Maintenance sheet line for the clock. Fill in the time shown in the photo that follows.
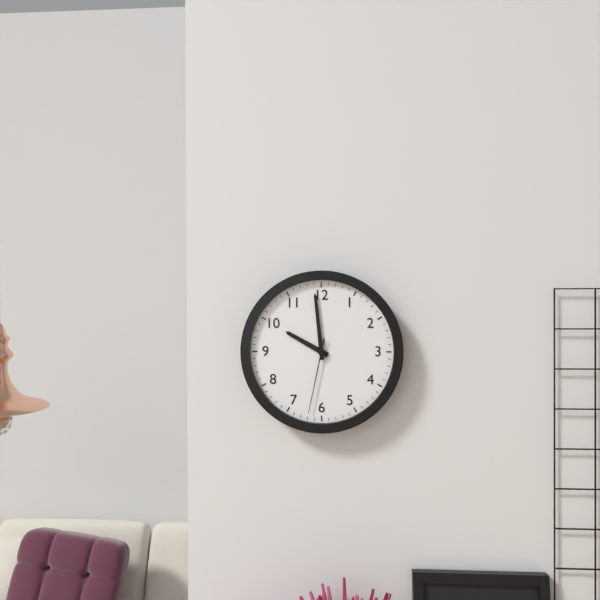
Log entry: 9:59:32
